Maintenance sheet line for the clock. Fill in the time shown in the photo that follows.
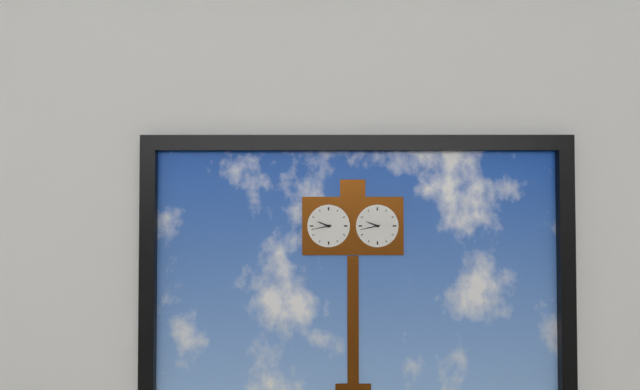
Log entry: 9:43
